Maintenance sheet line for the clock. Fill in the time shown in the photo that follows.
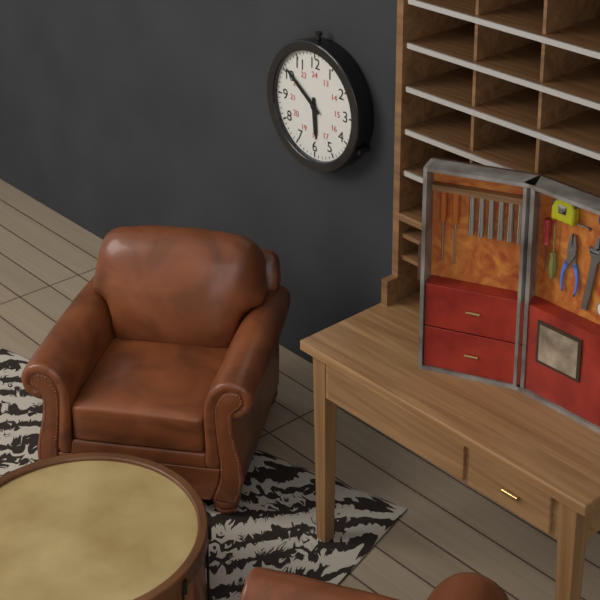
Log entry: 5:51
